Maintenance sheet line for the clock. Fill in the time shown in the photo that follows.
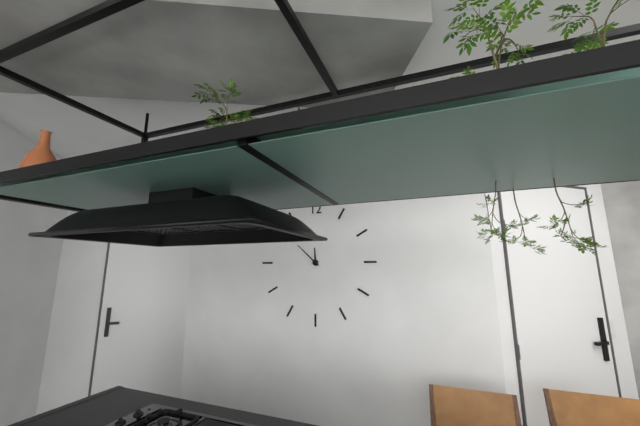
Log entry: 11:52
